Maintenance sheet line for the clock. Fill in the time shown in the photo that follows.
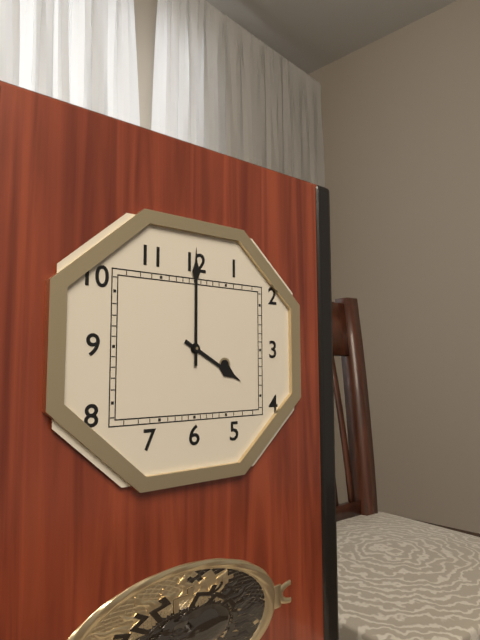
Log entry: 4:00
